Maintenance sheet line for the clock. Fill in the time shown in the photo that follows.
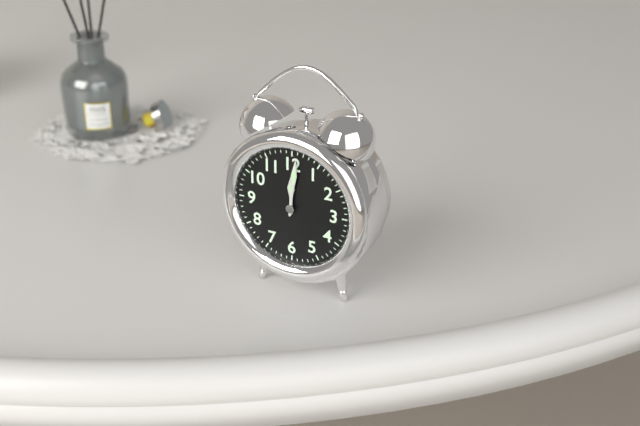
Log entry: 12:01
